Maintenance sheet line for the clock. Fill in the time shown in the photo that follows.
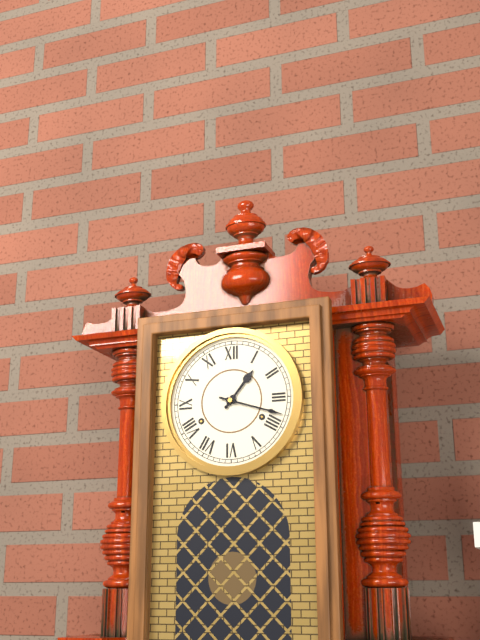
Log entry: 1:18
